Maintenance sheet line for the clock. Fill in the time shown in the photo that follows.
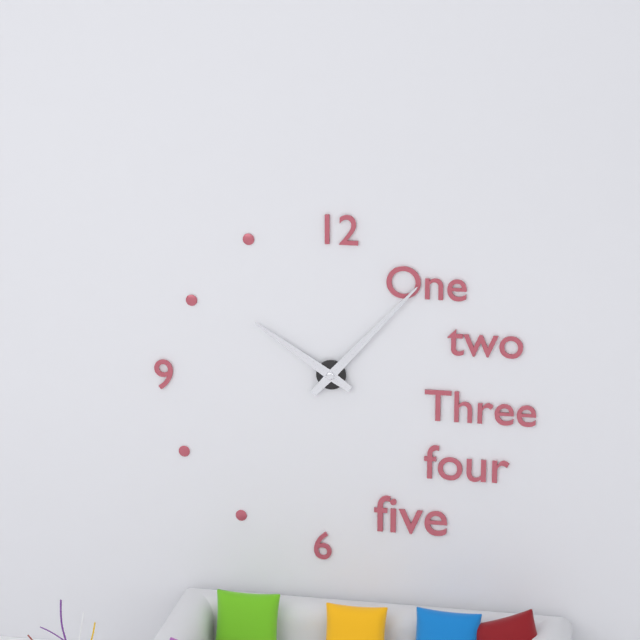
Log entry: 10:07
